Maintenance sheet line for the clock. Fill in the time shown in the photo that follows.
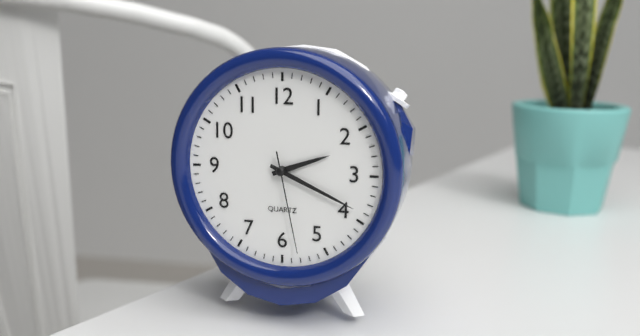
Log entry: 2:19:28
